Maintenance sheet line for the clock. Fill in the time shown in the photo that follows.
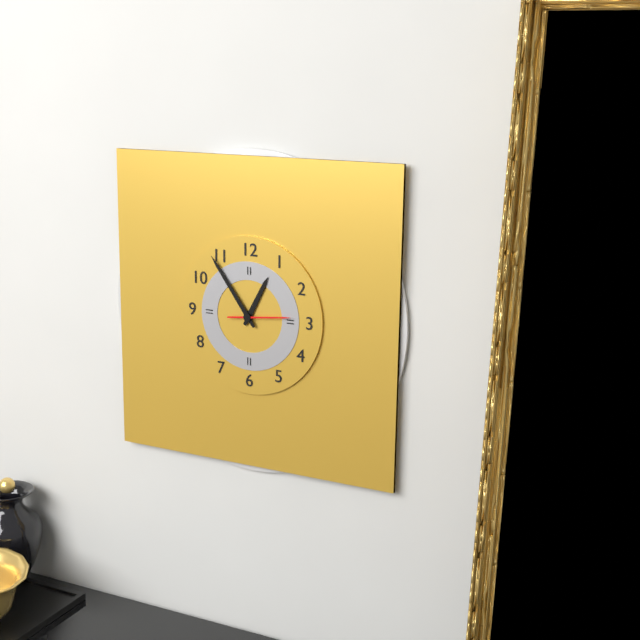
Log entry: 12:54:14
